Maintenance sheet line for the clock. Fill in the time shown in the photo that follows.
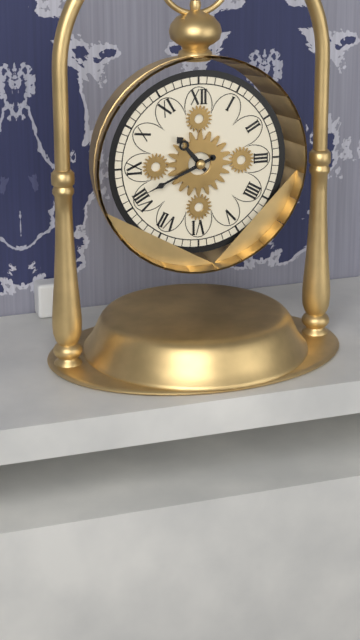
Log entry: 10:41
